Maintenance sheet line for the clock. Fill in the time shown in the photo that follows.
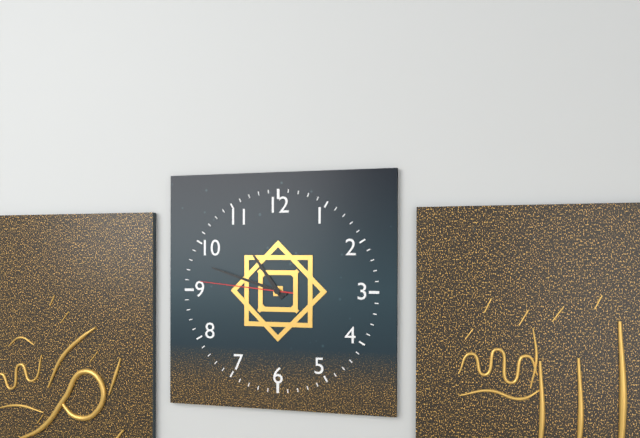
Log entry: 10:48:46
